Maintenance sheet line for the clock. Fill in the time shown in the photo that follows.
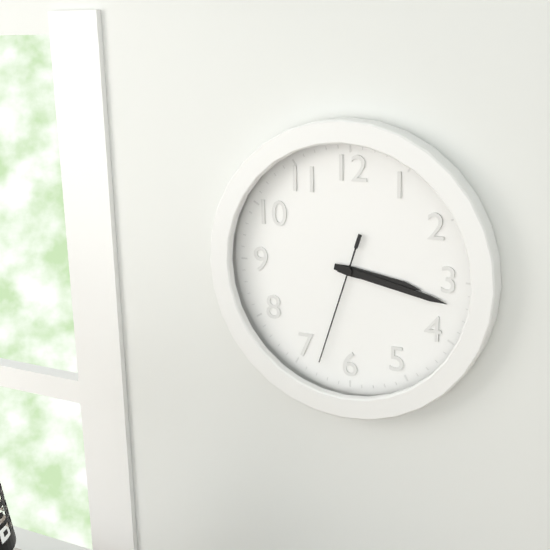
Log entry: 3:17:33
